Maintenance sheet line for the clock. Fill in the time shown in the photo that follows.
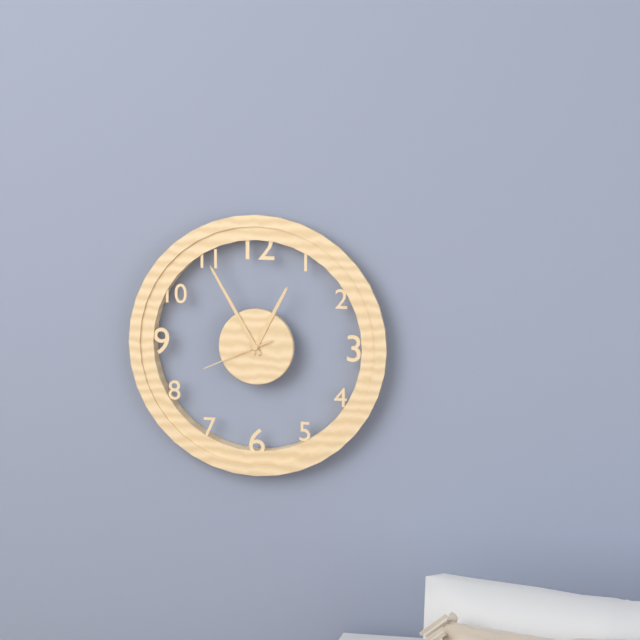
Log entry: 12:55:41
